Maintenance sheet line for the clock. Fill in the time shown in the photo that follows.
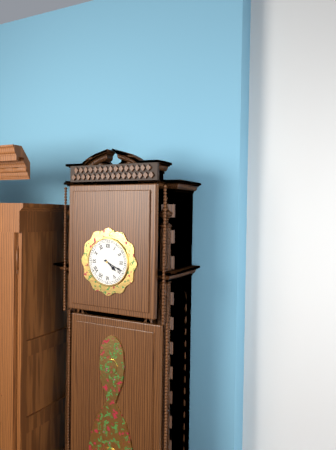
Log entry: 4:19
